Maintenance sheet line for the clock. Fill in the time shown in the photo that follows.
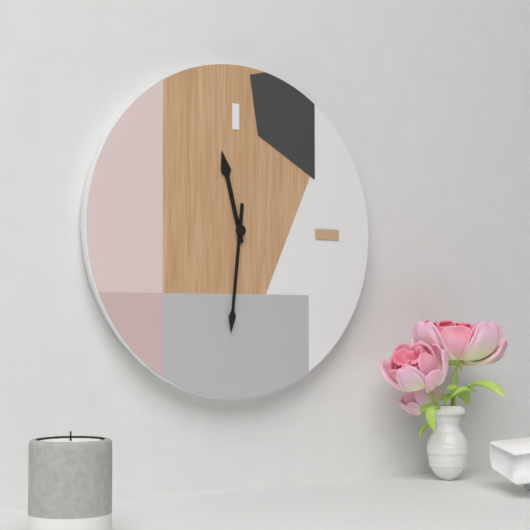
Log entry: 11:31
